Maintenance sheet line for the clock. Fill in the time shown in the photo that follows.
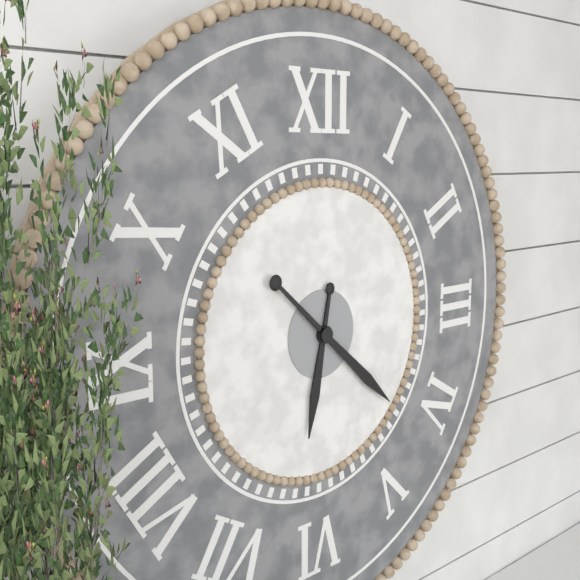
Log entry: 6:22
